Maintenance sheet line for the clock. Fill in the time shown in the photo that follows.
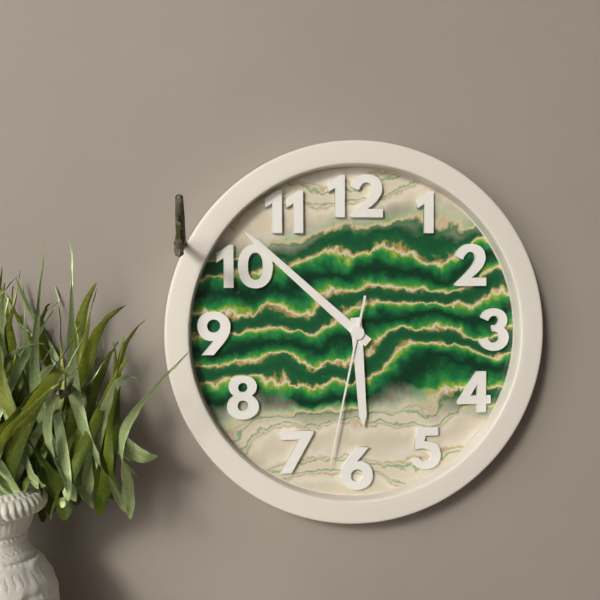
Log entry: 5:52:32
